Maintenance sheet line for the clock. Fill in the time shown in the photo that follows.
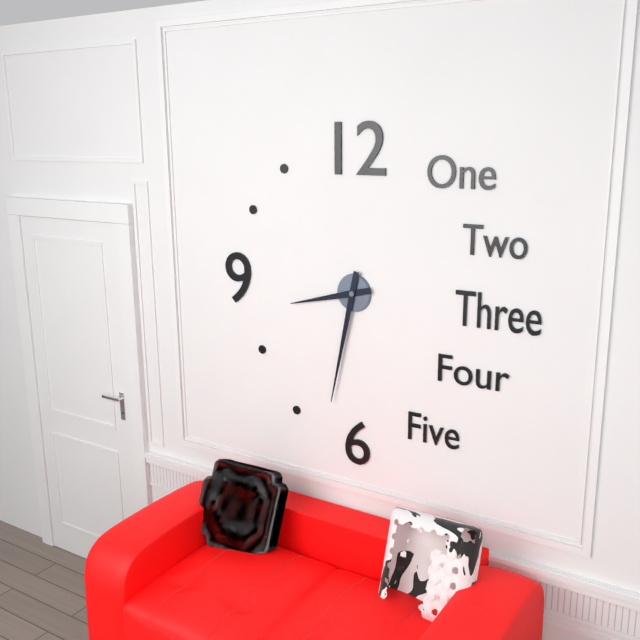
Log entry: 8:32
